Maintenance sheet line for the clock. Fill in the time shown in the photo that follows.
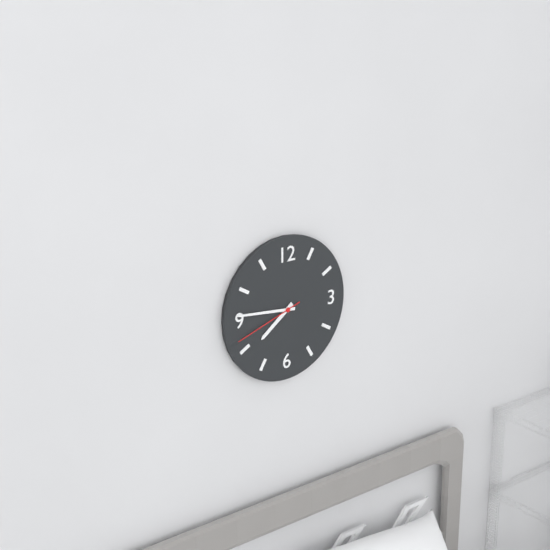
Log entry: 7:46:42
